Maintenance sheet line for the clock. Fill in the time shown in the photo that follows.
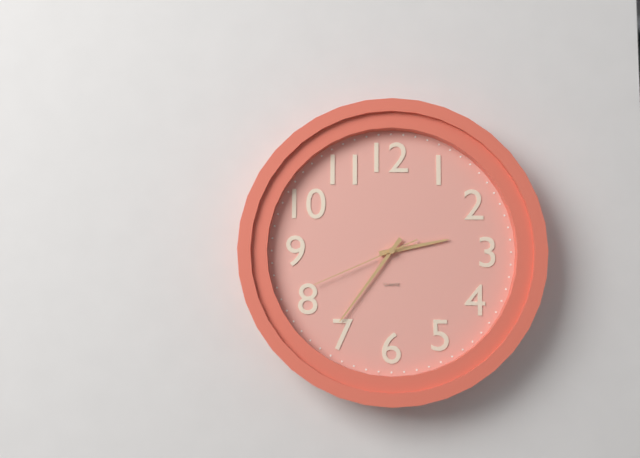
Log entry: 2:36:41
